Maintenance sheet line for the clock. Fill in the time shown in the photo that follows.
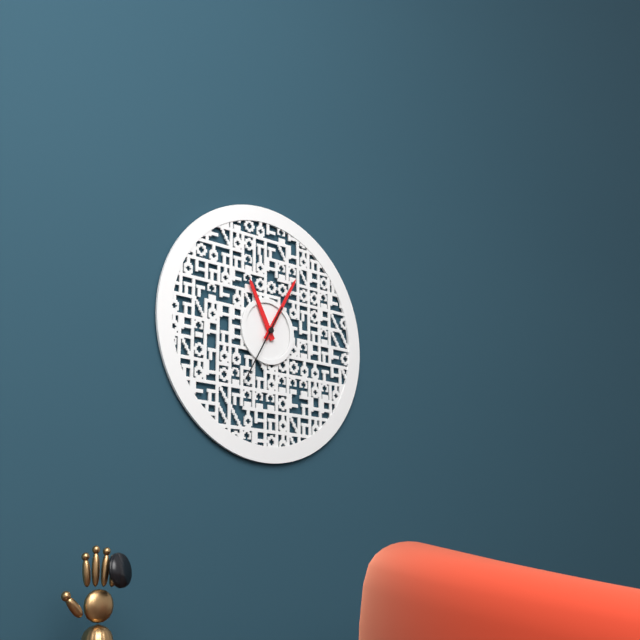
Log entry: 11:05:35
